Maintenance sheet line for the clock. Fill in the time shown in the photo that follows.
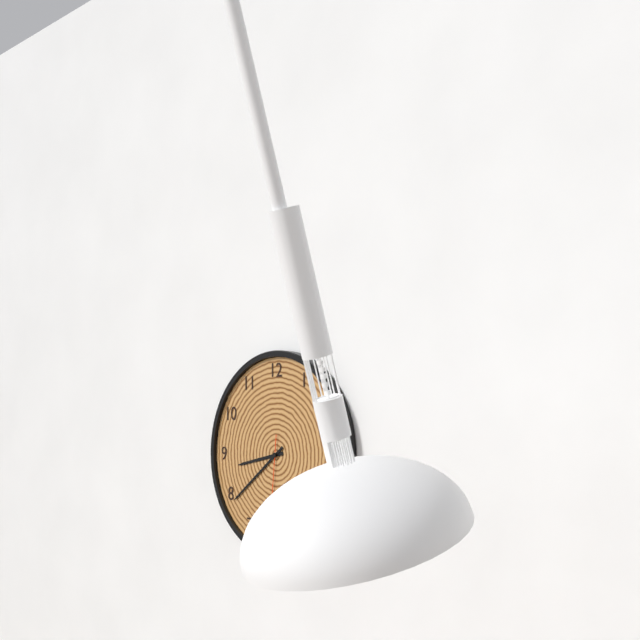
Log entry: 8:39
